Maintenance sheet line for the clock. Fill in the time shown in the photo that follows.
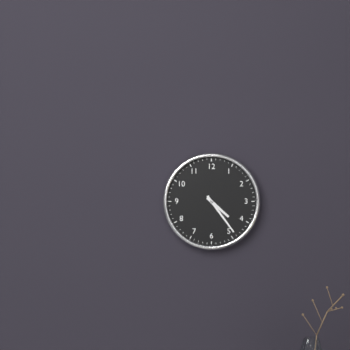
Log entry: 4:24
